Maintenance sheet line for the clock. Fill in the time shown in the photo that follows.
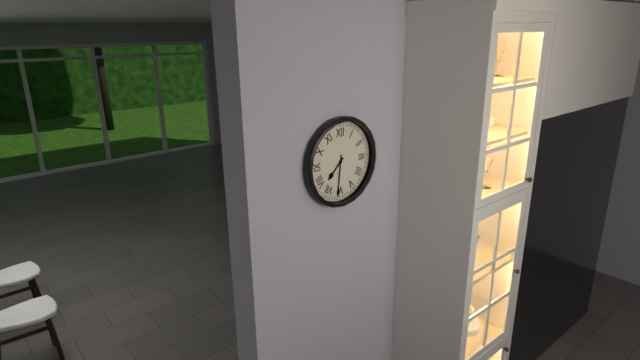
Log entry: 7:31
